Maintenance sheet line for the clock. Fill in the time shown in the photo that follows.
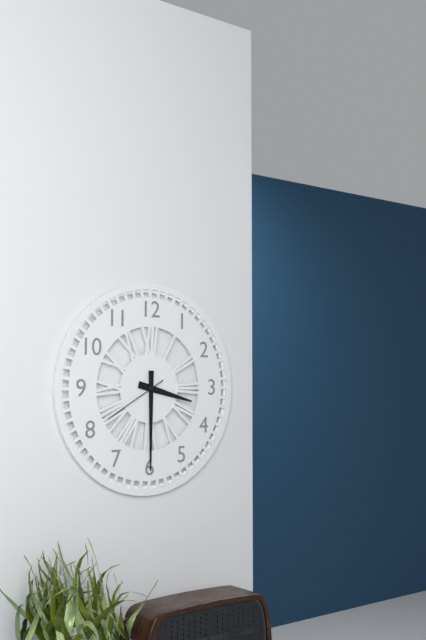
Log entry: 3:30:40
